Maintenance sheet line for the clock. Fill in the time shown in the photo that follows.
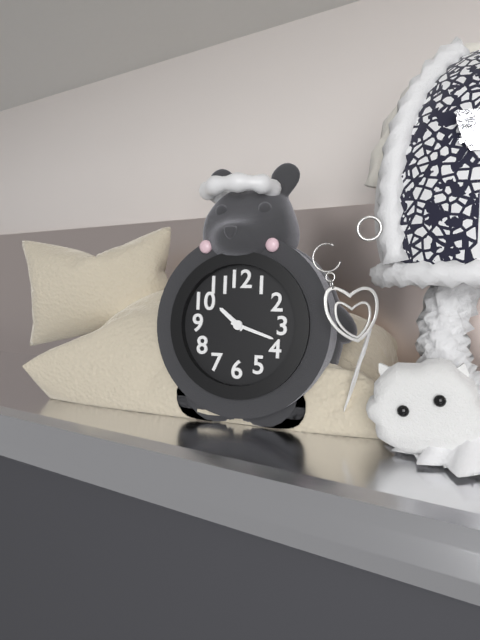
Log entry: 10:18
